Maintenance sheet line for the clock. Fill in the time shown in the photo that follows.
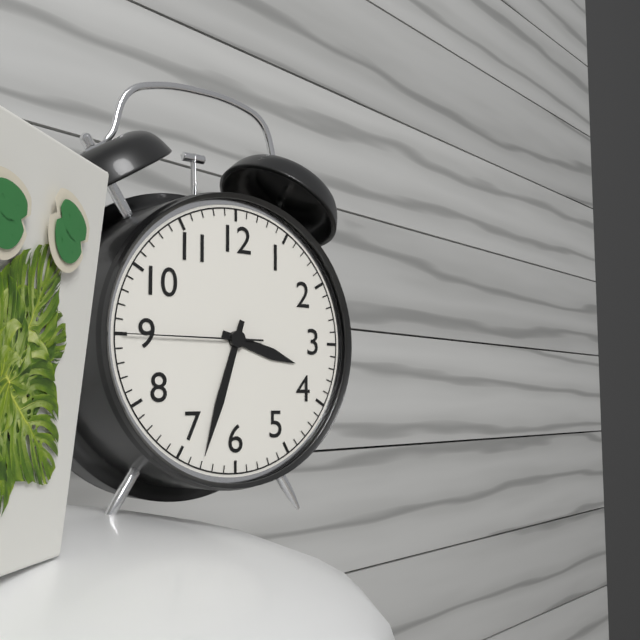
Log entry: 3:33:45
